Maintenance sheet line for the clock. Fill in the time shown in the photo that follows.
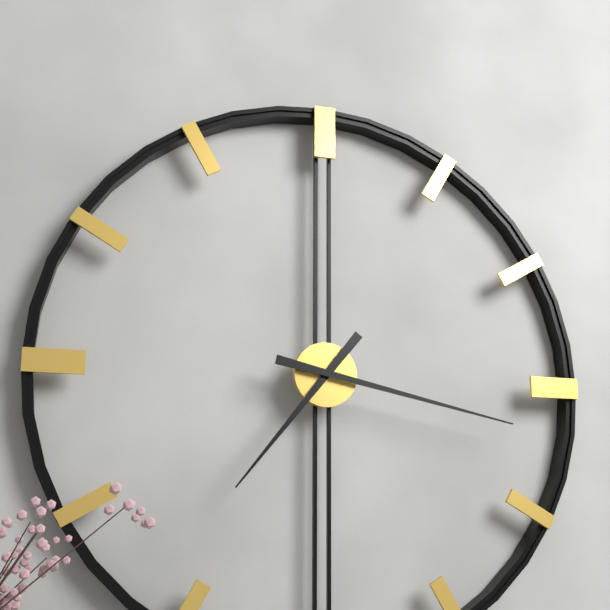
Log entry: 7:17
